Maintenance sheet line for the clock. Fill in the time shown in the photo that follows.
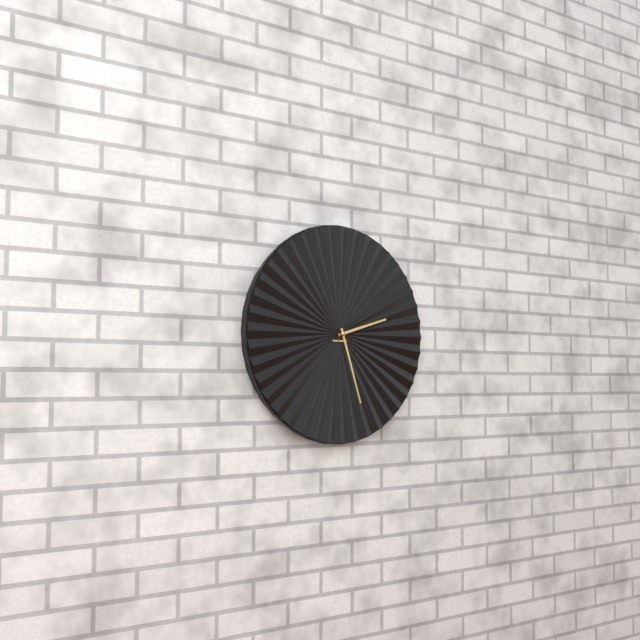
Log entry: 2:27
